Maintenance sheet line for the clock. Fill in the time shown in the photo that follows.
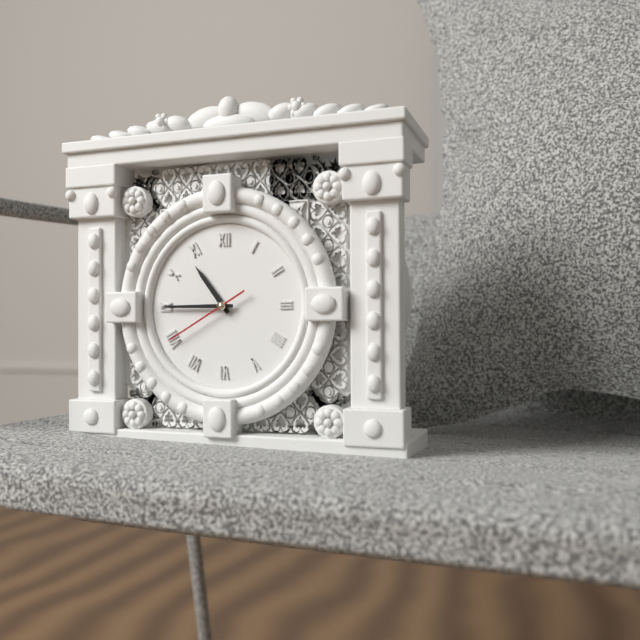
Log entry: 10:45:40
